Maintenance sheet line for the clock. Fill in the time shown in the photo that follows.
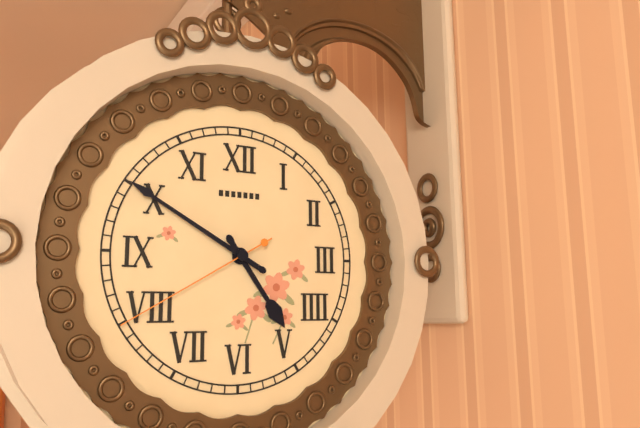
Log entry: 4:50:40
